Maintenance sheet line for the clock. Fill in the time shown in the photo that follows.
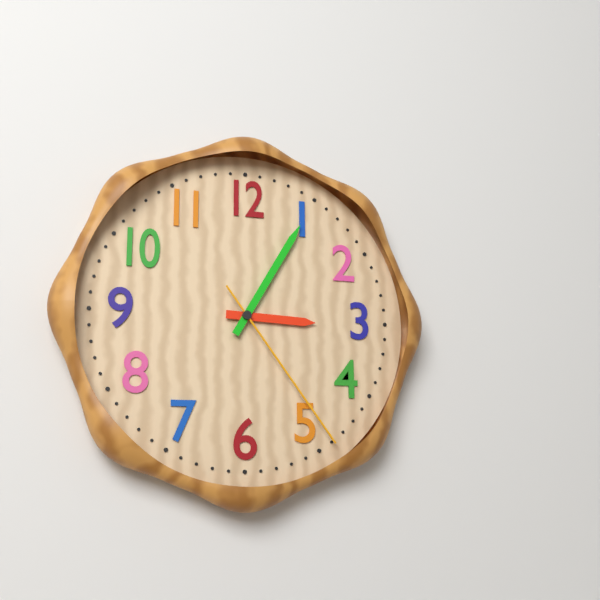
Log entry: 3:05:24
